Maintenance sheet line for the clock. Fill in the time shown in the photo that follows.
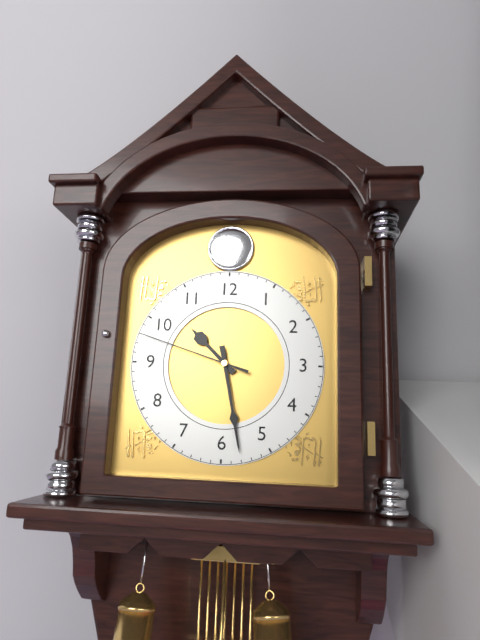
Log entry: 10:28:48
